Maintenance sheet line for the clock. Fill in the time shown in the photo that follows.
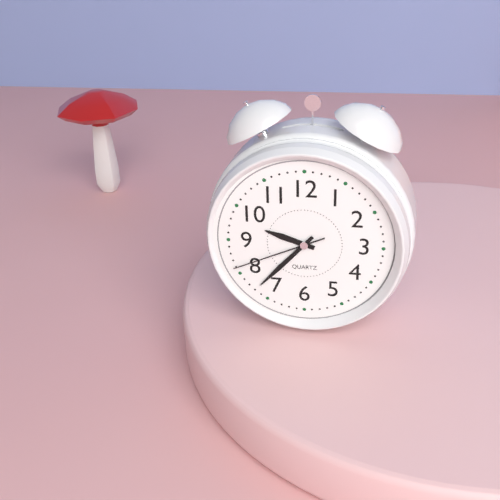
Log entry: 9:37:41
